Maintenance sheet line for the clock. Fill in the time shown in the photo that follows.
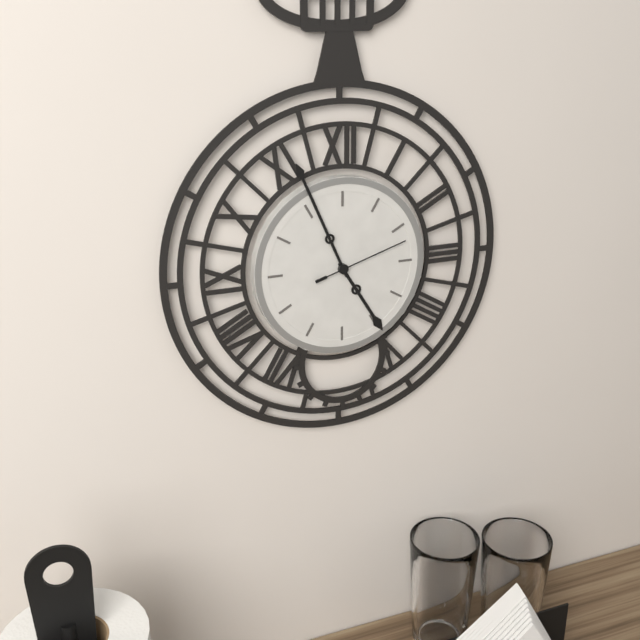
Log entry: 4:56:12
